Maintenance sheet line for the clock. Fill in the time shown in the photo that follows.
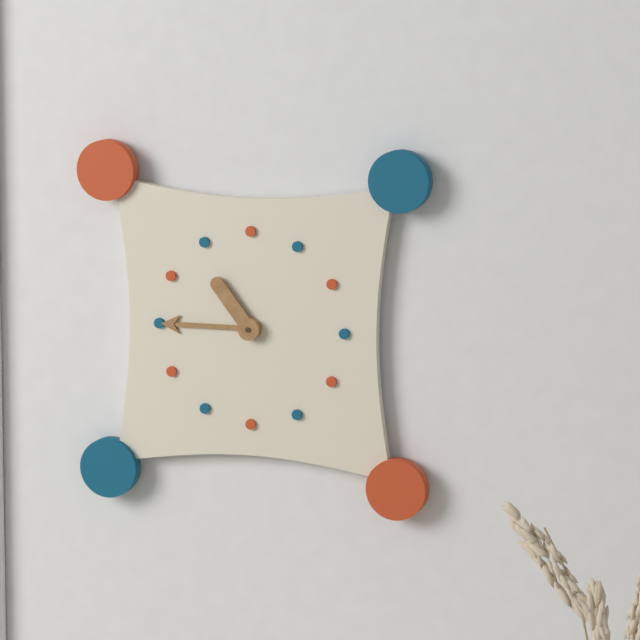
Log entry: 10:45
